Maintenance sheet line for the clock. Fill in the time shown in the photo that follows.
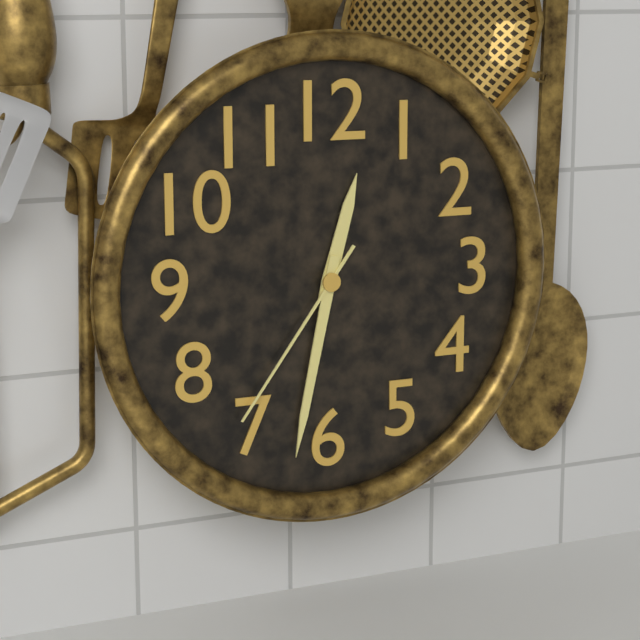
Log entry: 12:32:36
